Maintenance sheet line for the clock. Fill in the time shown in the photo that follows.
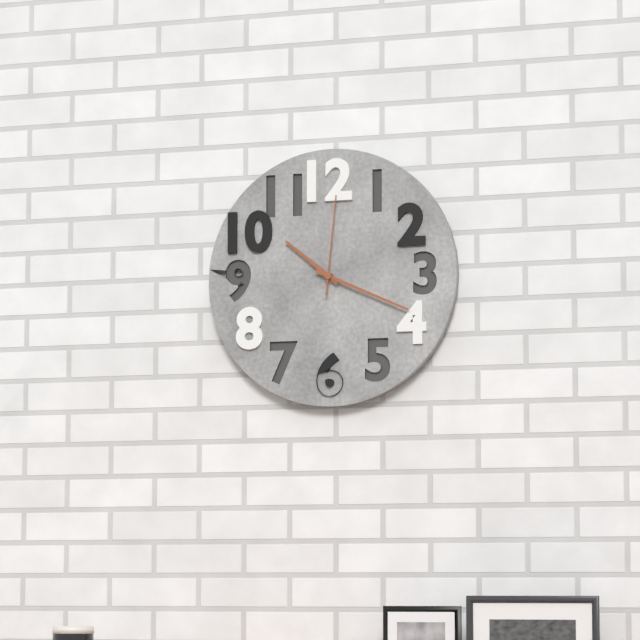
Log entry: 10:19:01
